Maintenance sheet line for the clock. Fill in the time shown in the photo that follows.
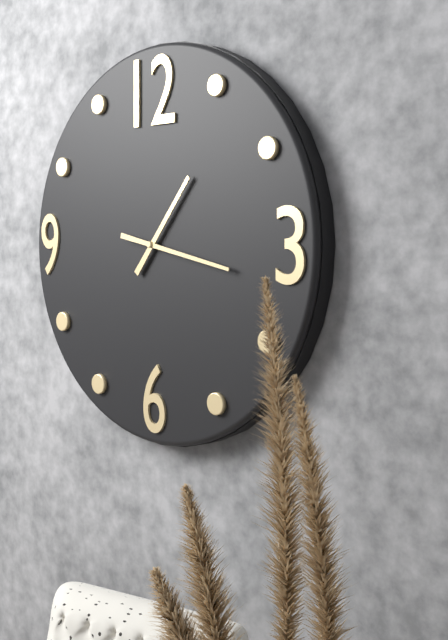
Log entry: 1:17
